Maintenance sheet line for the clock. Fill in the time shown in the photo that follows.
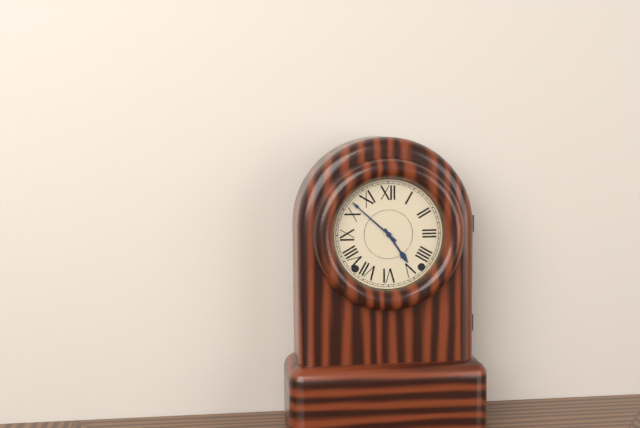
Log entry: 4:52
